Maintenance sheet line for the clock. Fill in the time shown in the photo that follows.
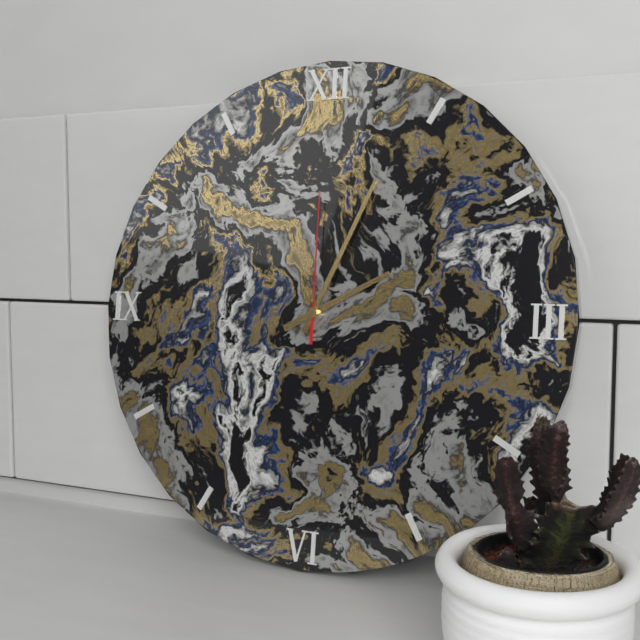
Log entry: 2:04:00
